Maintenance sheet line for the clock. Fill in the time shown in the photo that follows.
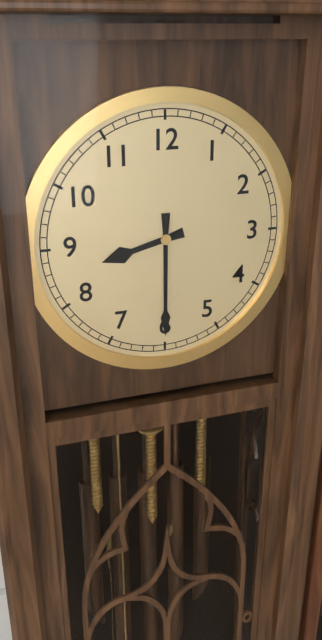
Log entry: 8:30
